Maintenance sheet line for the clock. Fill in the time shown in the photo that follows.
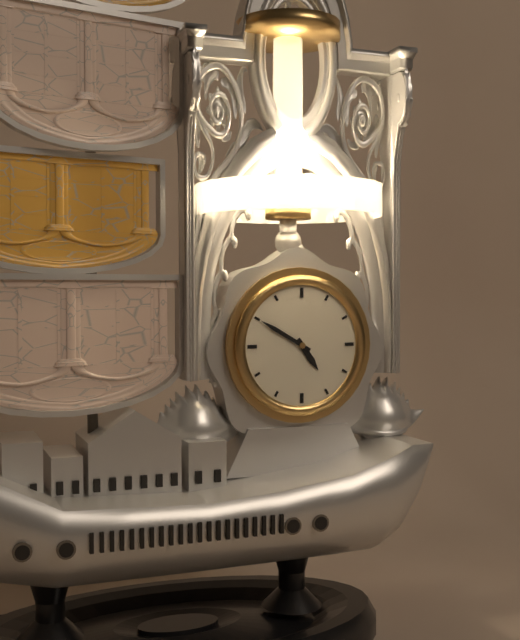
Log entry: 4:50
